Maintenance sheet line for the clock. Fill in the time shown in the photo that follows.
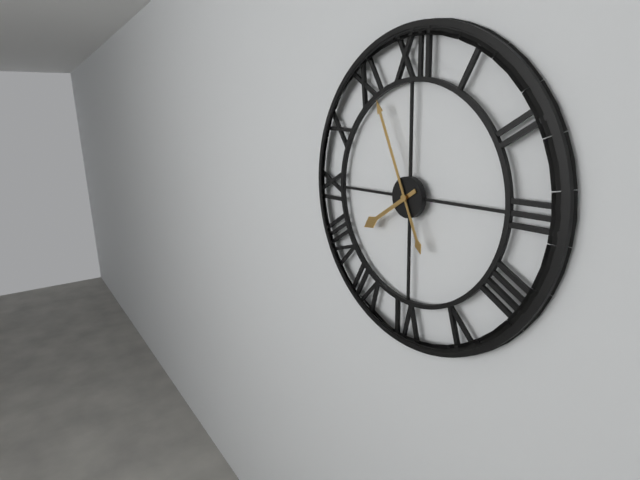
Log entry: 7:56
